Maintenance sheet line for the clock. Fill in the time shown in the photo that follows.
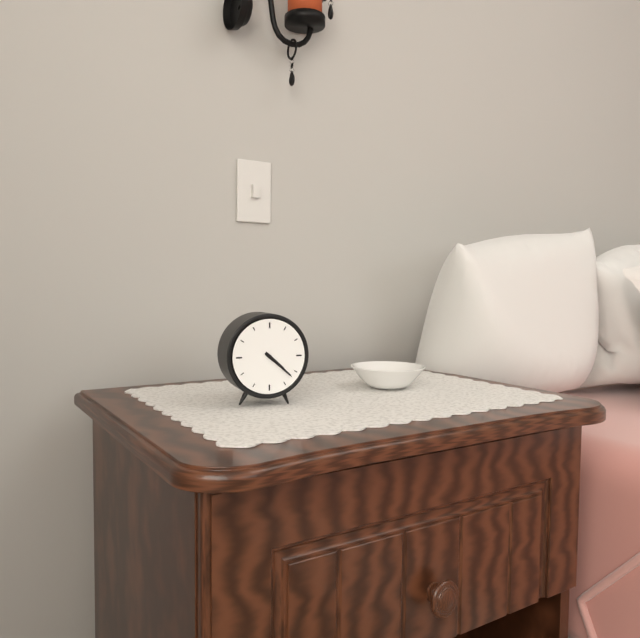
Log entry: 4:22
